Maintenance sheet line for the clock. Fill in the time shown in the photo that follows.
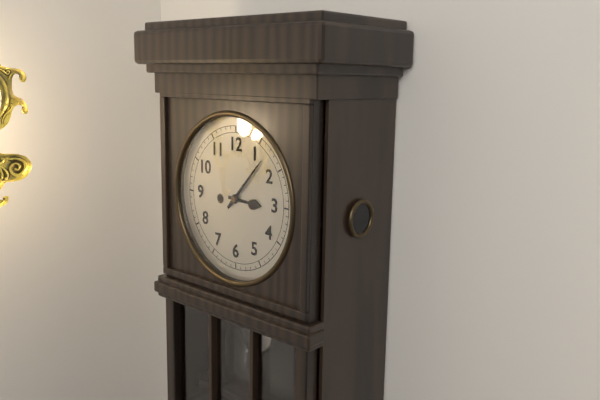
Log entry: 3:07
